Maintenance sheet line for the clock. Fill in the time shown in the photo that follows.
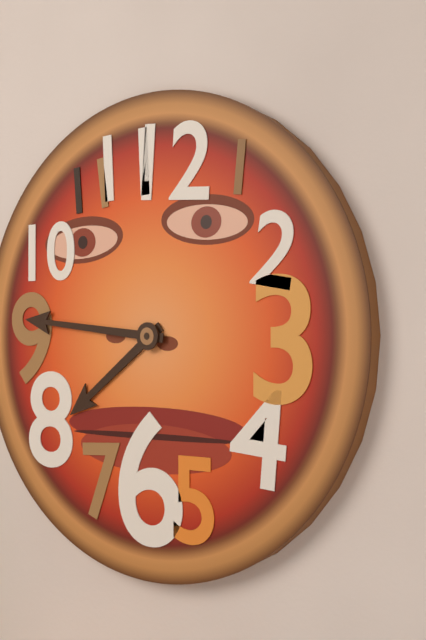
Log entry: 7:46
